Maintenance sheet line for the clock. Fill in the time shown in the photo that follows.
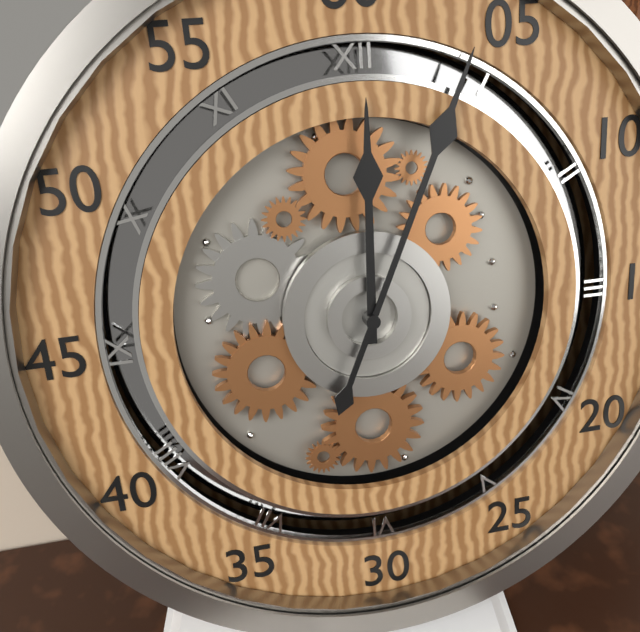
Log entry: 12:04
